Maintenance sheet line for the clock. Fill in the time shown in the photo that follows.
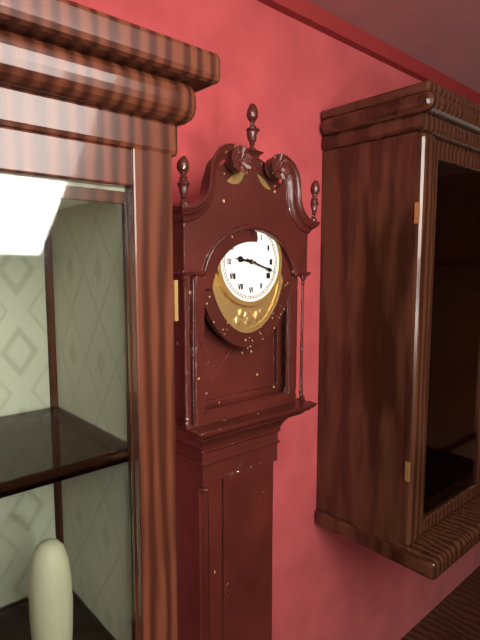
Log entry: 9:18
